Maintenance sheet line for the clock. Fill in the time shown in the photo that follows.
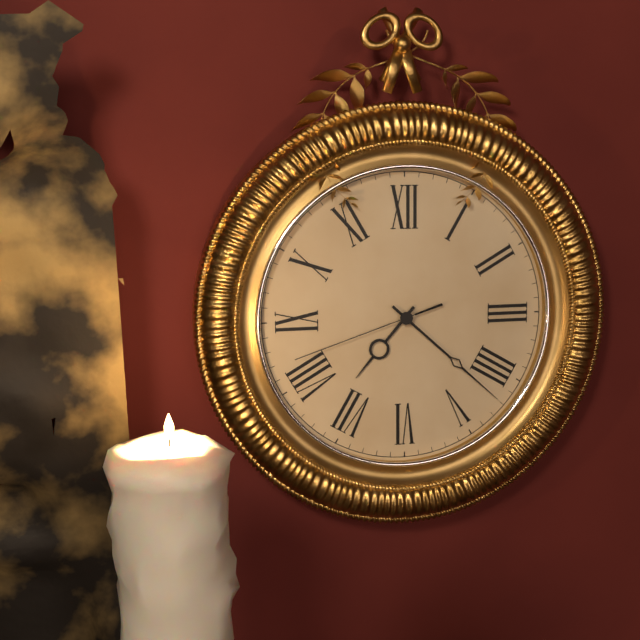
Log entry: 7:22:42
